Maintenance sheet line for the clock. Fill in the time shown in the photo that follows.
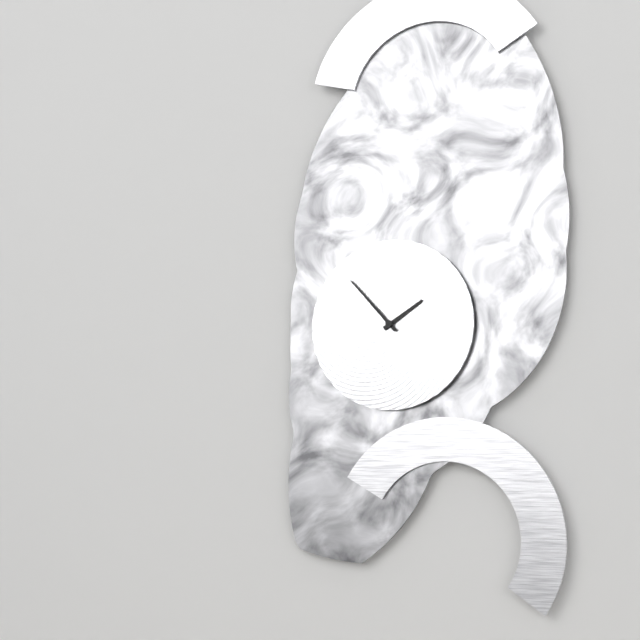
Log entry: 1:53
